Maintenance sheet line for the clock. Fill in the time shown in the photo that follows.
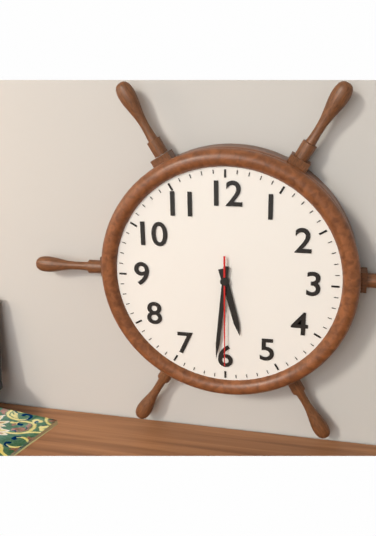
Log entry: 5:31:30
